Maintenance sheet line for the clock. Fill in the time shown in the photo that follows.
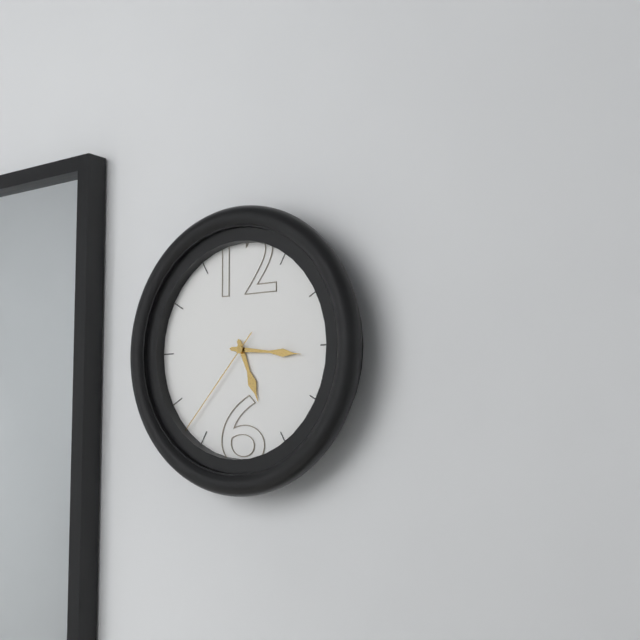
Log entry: 5:16:37
